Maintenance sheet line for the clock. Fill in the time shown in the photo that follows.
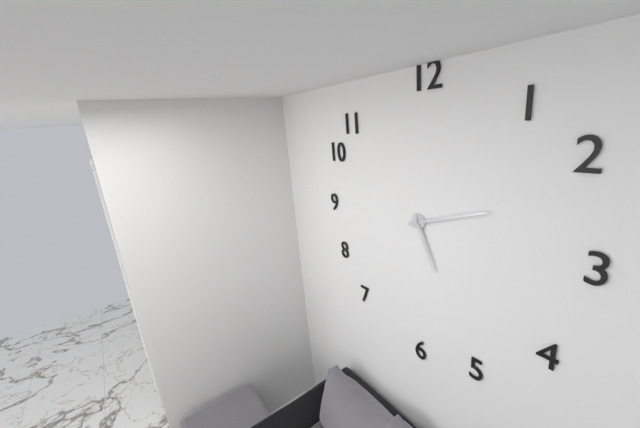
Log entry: 5:12
